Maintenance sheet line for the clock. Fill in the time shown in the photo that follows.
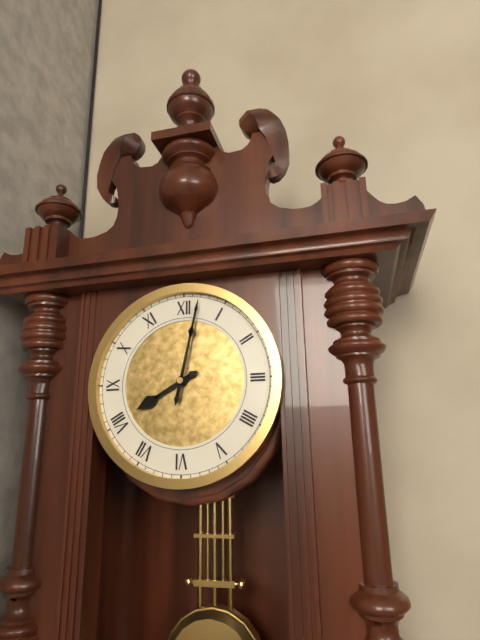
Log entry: 8:02
